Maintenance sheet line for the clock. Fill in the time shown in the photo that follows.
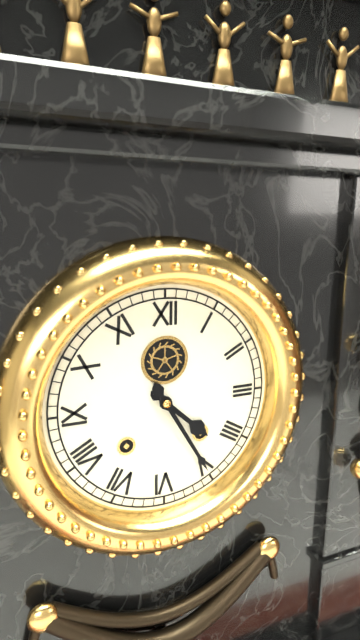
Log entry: 4:25
